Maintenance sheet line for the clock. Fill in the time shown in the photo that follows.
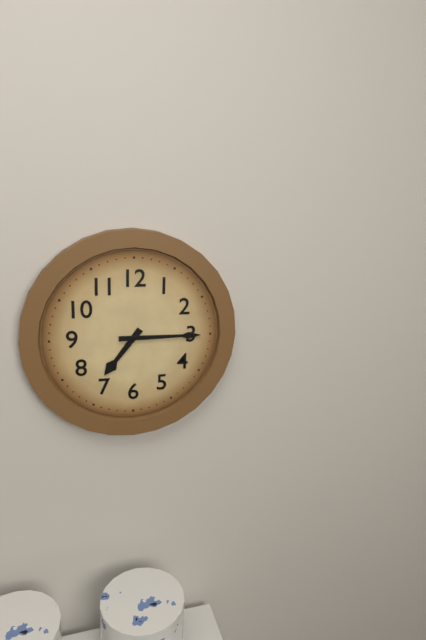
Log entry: 7:15
